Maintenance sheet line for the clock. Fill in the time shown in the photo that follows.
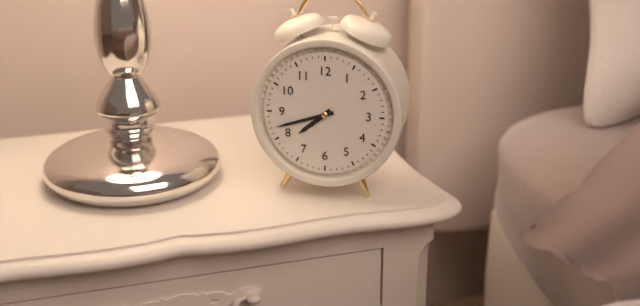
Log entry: 7:42
